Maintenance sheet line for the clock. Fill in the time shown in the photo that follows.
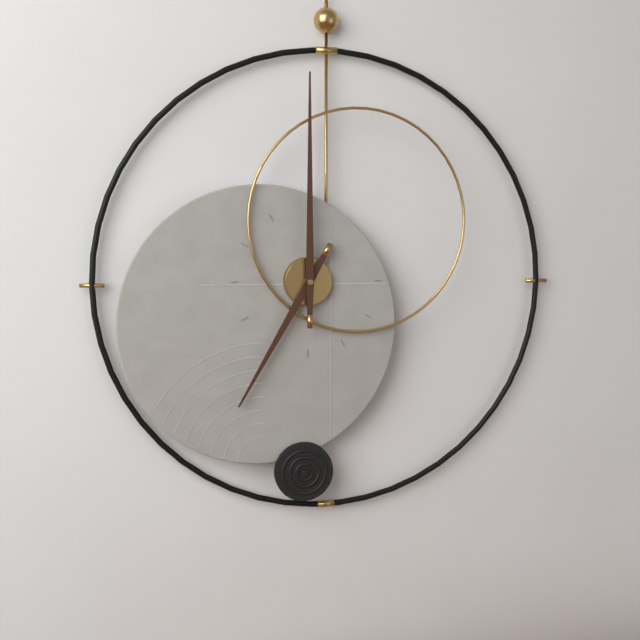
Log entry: 7:00
